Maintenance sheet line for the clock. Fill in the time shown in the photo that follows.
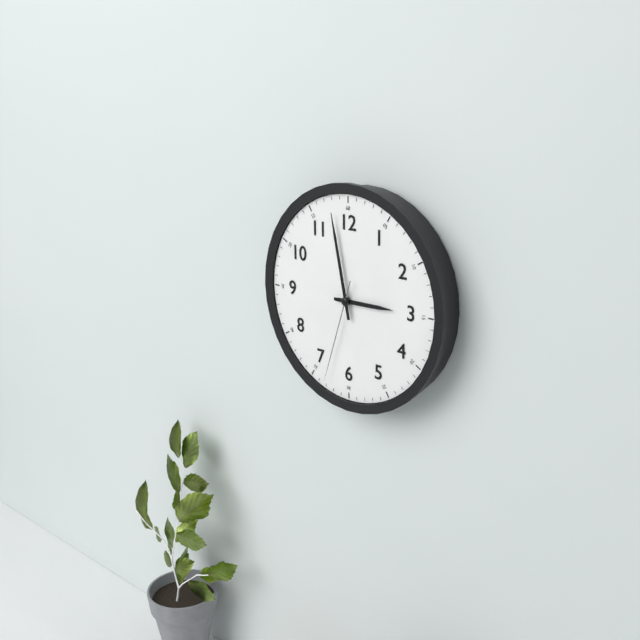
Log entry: 2:58:33
